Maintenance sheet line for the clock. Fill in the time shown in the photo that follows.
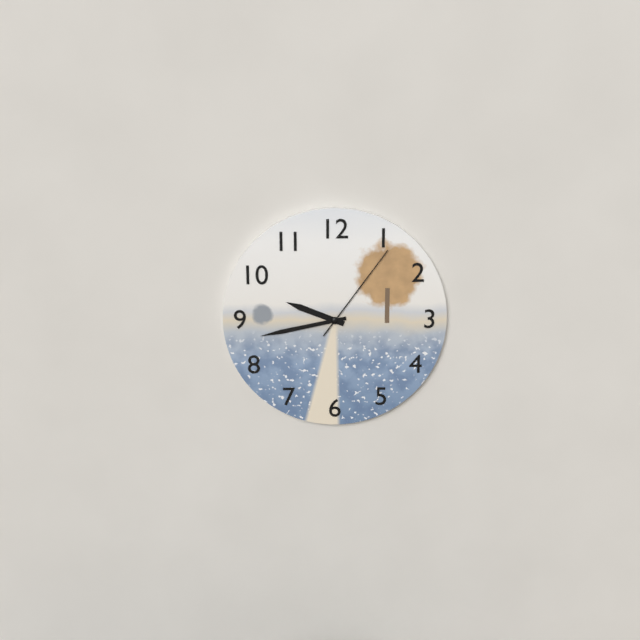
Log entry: 9:43:06
